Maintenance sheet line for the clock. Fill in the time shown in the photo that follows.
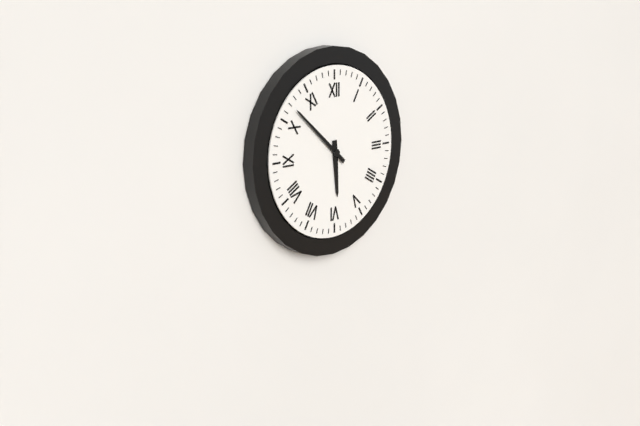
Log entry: 5:52
